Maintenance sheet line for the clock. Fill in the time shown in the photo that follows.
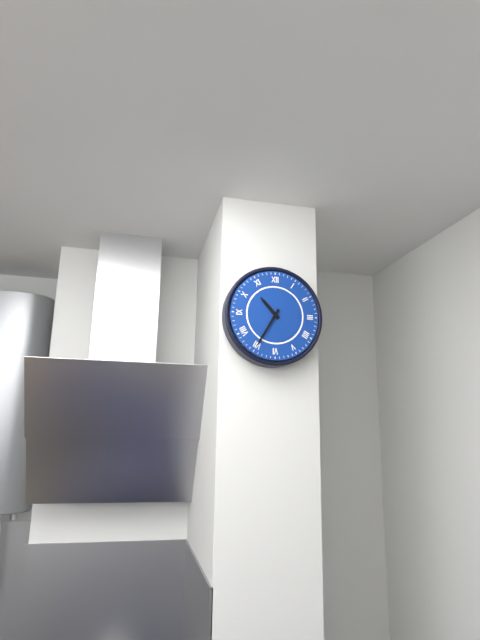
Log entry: 10:35
